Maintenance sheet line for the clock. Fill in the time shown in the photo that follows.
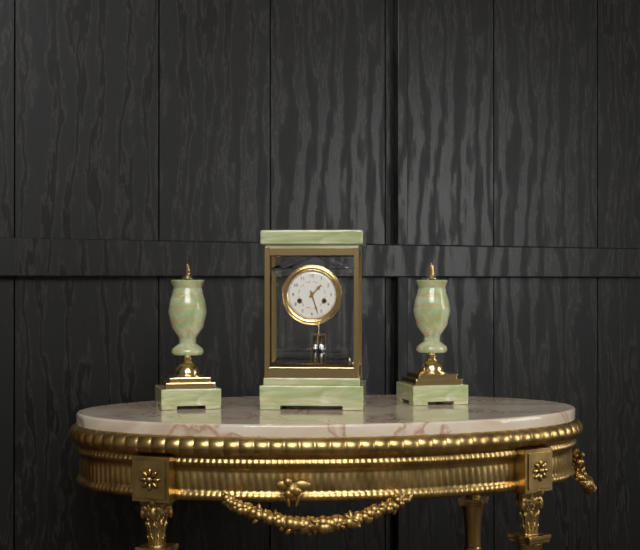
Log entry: 1:27
